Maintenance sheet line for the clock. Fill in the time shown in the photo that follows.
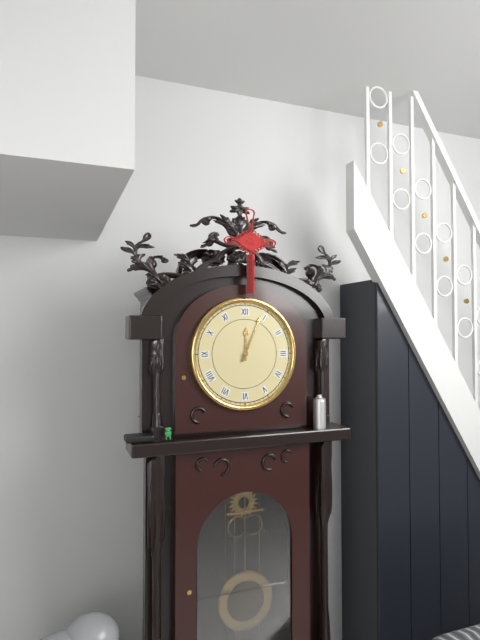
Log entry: 12:04
